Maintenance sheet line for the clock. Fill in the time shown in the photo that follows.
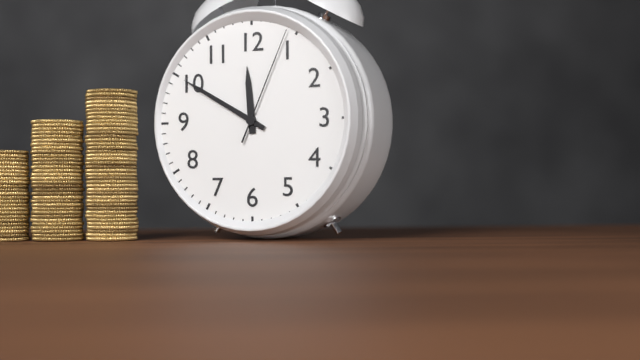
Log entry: 11:50:04
